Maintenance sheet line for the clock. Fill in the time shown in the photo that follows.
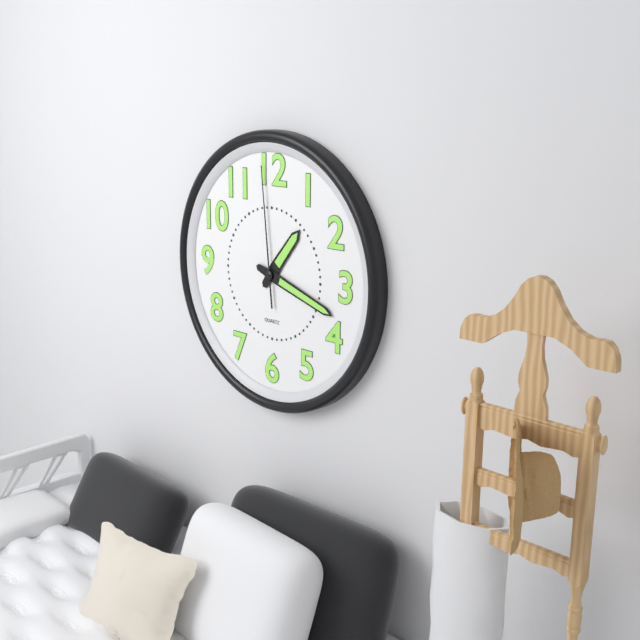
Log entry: 1:18:59
